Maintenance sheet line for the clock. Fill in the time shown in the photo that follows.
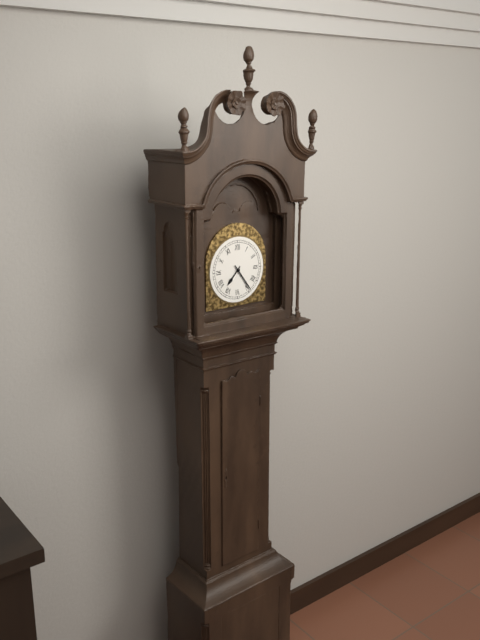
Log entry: 7:24
